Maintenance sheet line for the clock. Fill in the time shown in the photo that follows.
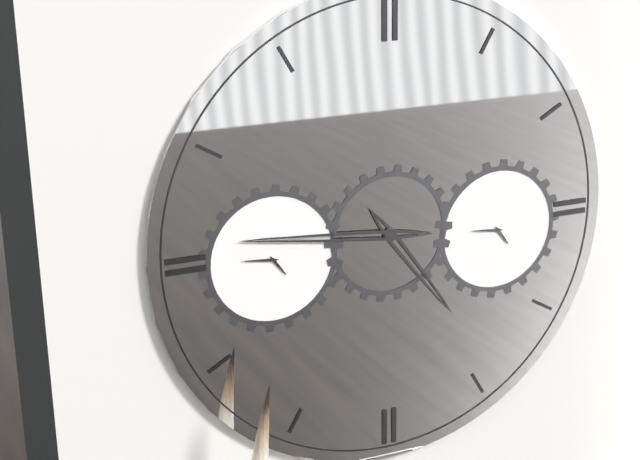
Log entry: 4:46
